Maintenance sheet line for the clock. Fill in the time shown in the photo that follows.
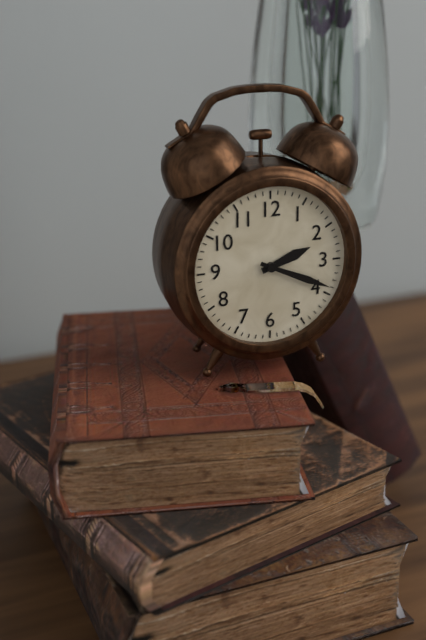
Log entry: 2:19
